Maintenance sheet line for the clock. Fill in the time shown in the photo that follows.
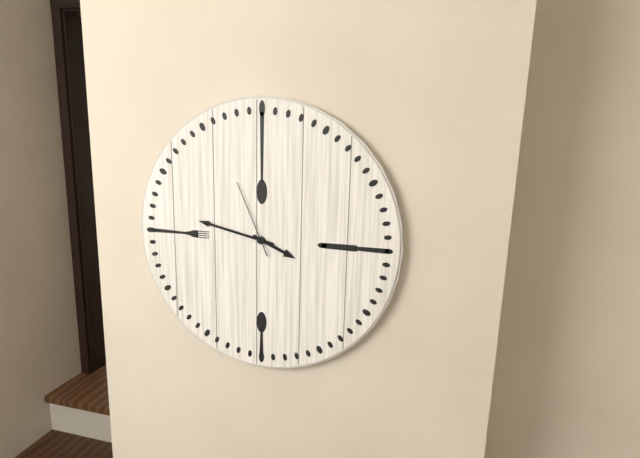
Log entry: 3:47:56
